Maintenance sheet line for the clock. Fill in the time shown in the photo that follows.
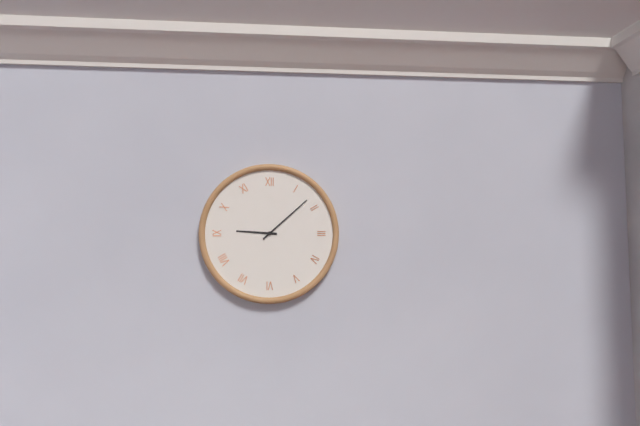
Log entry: 9:08
